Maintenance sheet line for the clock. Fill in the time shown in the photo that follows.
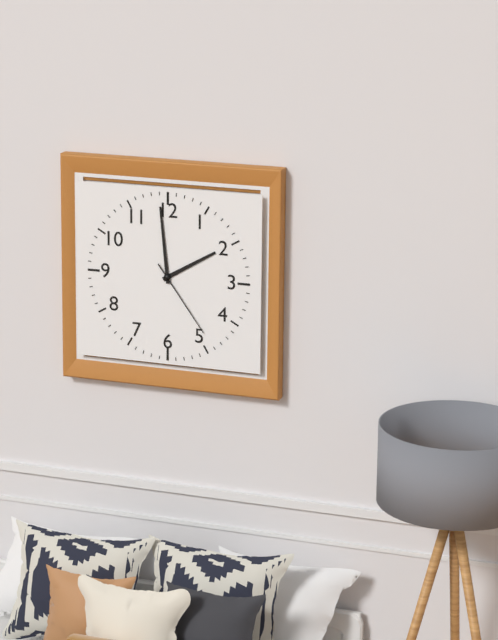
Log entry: 1:59:24
